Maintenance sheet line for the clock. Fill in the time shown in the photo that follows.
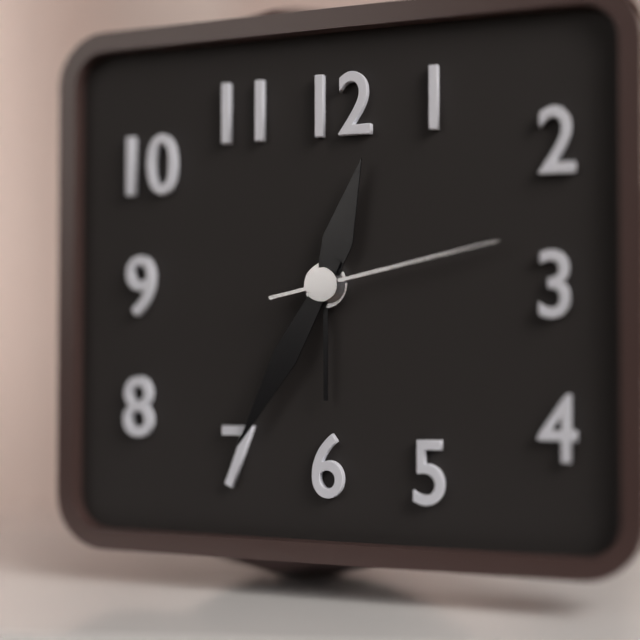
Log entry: 12:35:13
